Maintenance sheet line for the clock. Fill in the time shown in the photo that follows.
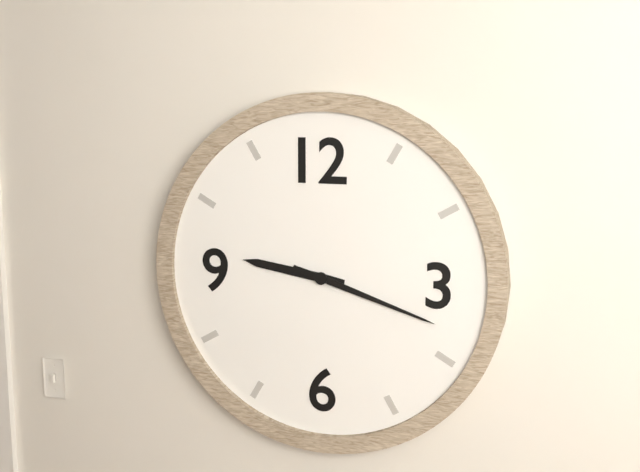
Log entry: 9:18
